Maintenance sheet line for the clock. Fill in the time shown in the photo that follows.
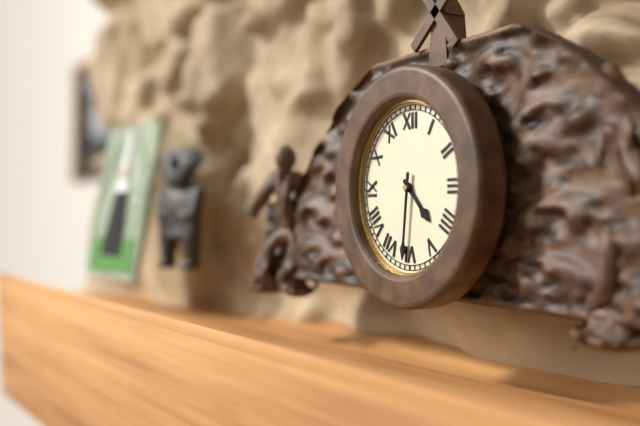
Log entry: 4:31
